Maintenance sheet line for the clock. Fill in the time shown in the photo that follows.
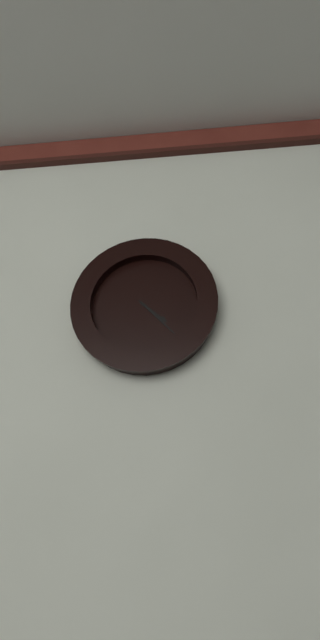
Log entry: 4:23
